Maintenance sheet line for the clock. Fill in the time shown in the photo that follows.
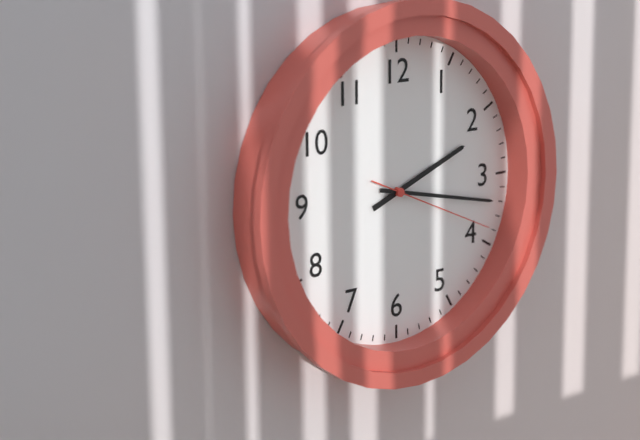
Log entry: 2:17:19
